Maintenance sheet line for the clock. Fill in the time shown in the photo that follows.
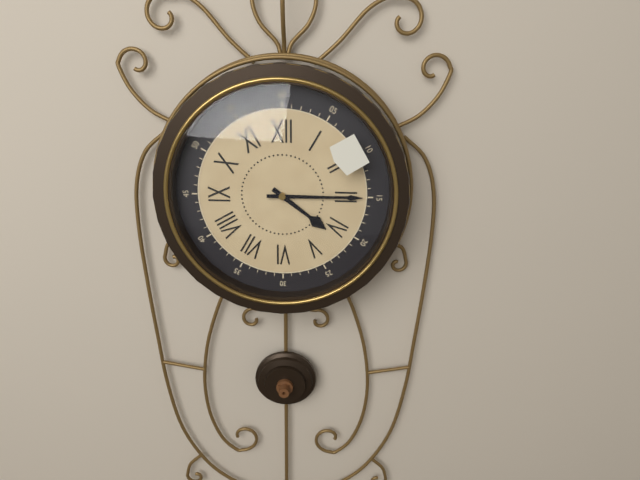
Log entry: 4:15
